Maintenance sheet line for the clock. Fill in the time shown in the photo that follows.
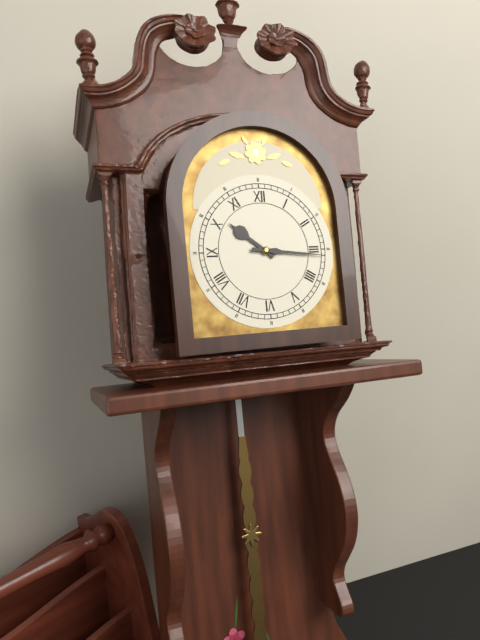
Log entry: 10:16
